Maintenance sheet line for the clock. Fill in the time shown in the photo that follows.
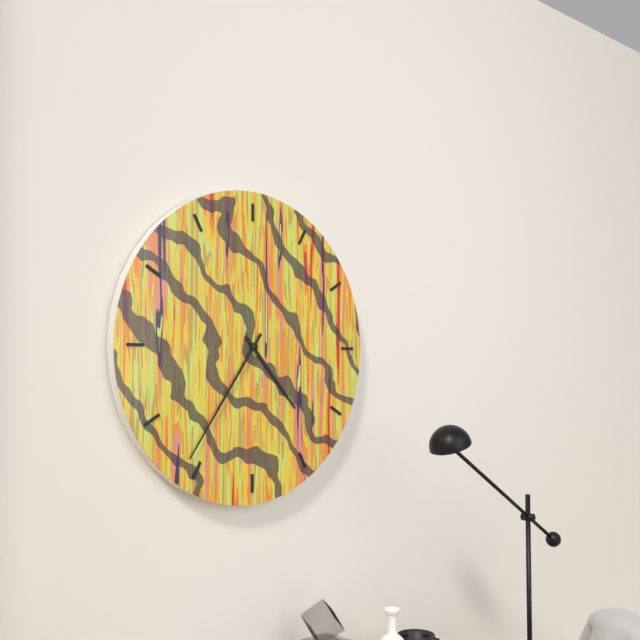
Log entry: 4:36
